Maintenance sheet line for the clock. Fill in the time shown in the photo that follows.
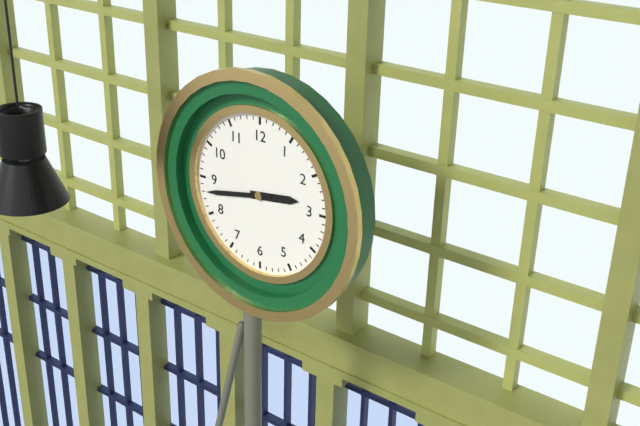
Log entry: 2:43
